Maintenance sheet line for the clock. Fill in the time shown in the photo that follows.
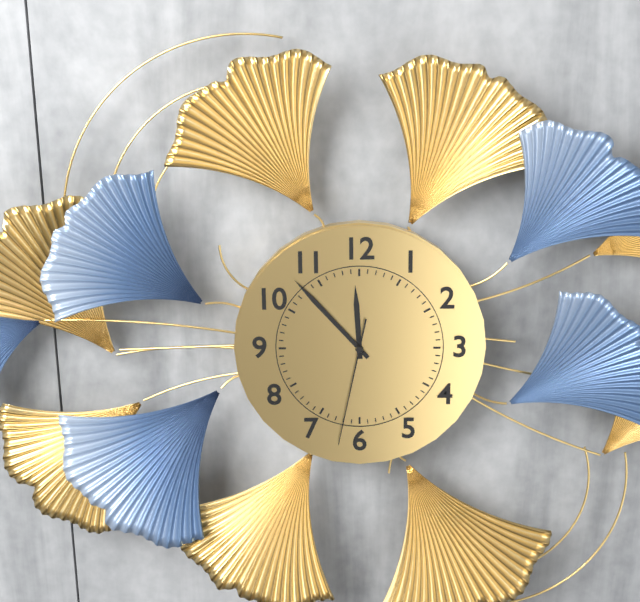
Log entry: 11:53:32
